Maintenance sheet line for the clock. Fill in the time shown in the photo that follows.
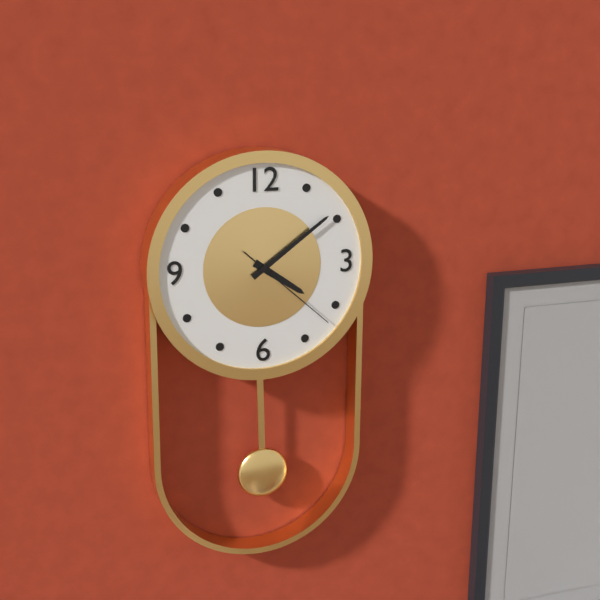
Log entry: 4:09:22
